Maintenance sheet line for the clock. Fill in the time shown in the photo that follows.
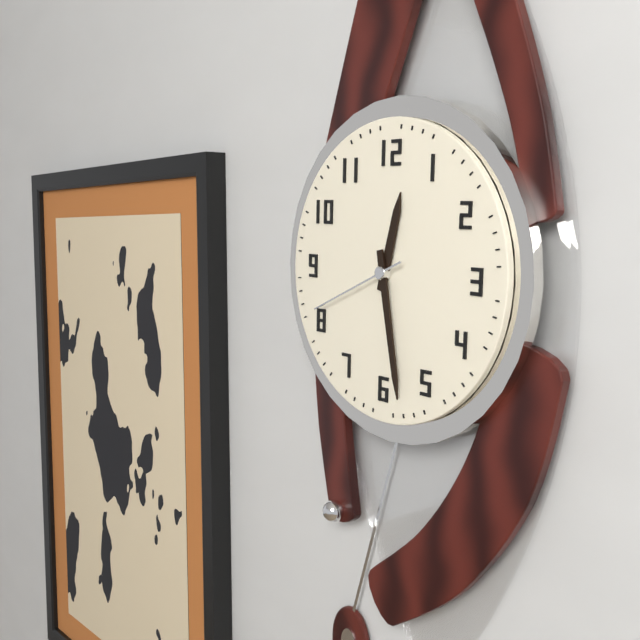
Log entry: 12:28:41
